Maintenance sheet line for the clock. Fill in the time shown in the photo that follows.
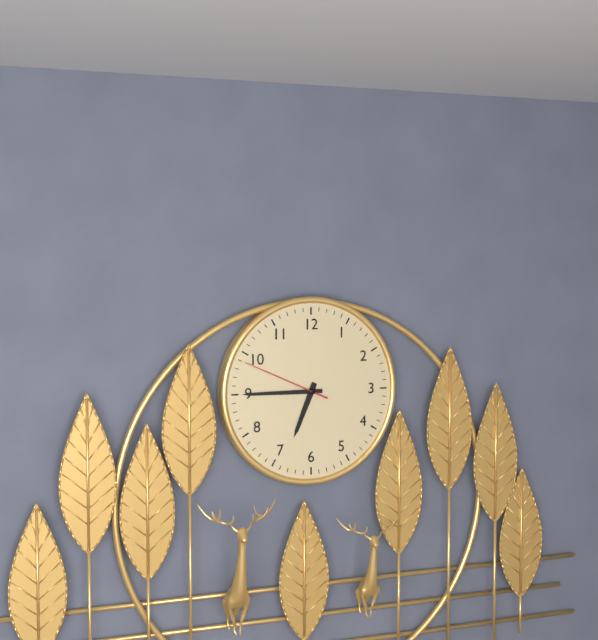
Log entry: 6:45:49
